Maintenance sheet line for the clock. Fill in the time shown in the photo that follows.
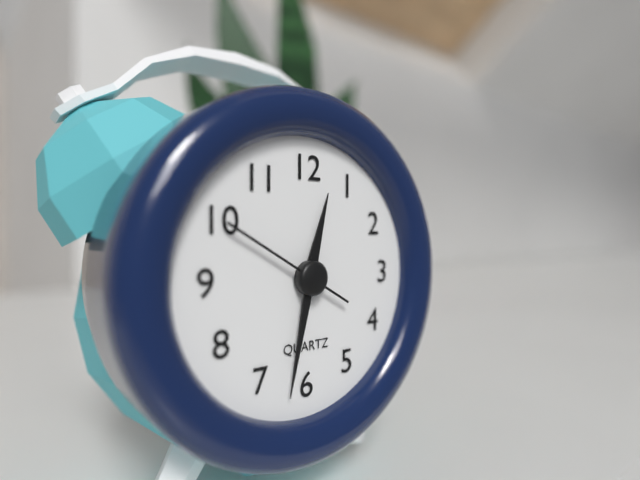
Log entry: 12:32:50
